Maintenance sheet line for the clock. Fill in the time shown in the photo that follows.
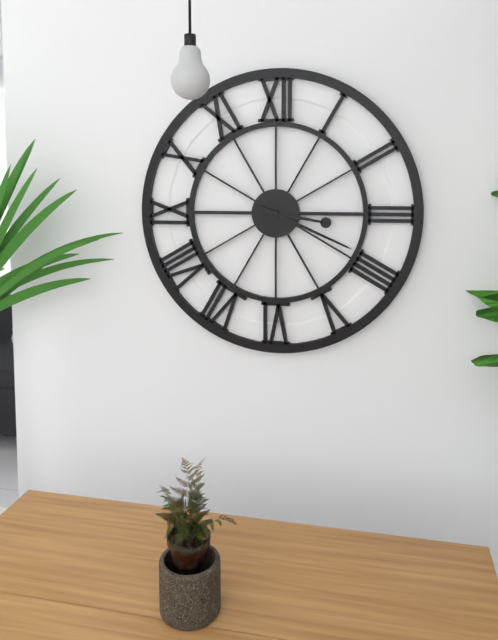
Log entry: 3:19
